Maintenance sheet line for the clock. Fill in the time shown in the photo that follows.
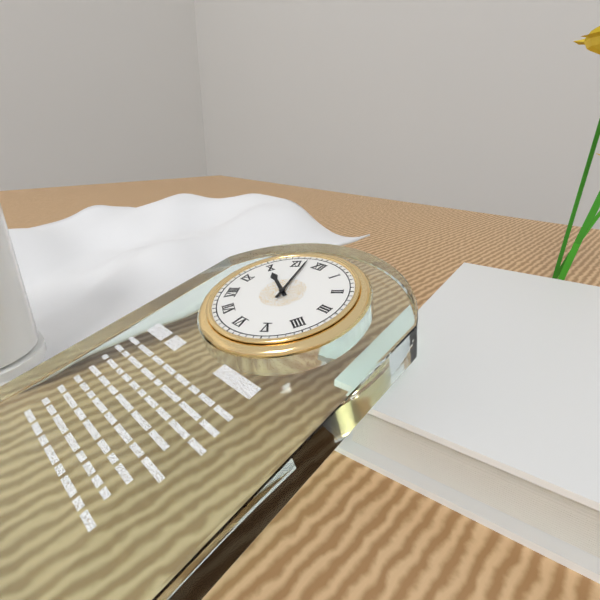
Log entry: 9:57
